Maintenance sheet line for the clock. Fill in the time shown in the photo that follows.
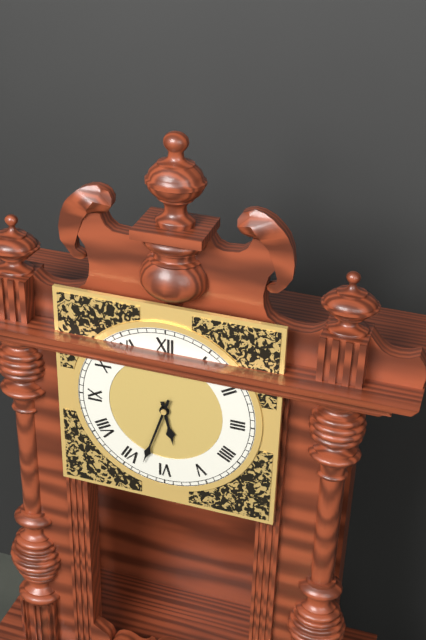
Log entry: 5:33
